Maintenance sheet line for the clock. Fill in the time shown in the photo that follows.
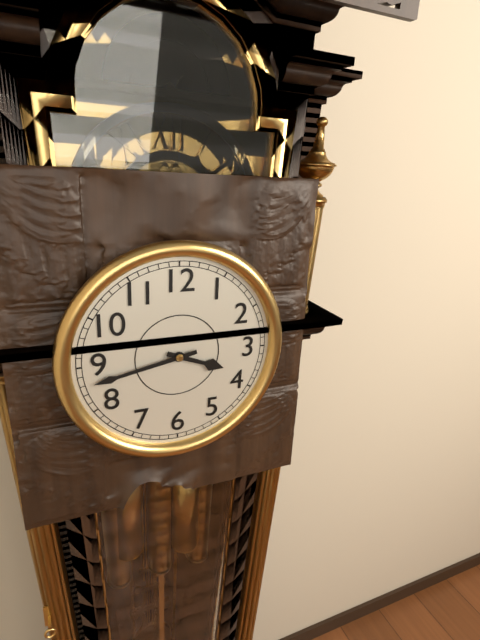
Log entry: 3:43
